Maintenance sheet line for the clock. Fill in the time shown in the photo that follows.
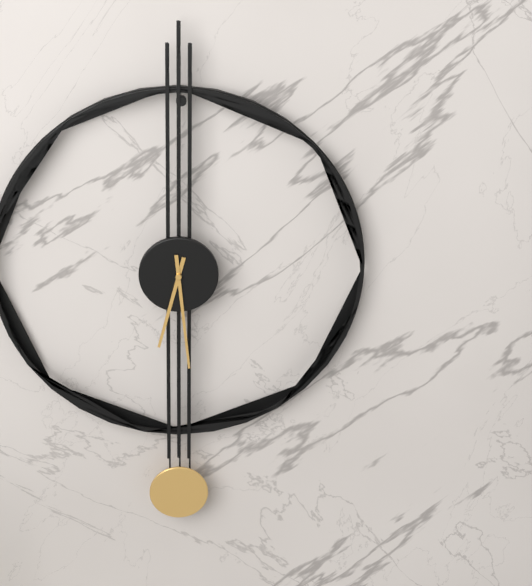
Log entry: 6:29
